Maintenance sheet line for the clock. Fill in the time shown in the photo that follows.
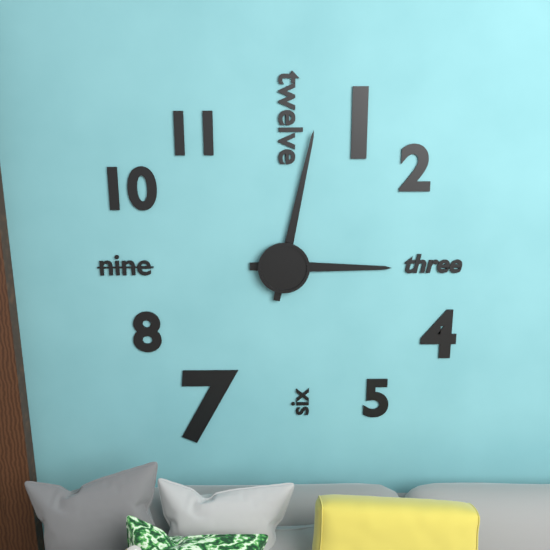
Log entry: 3:02
